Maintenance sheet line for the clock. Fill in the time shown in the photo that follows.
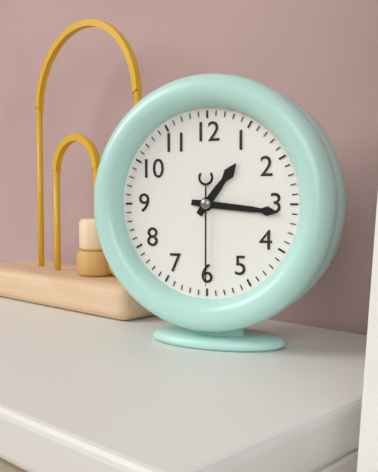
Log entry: 1:16:30
